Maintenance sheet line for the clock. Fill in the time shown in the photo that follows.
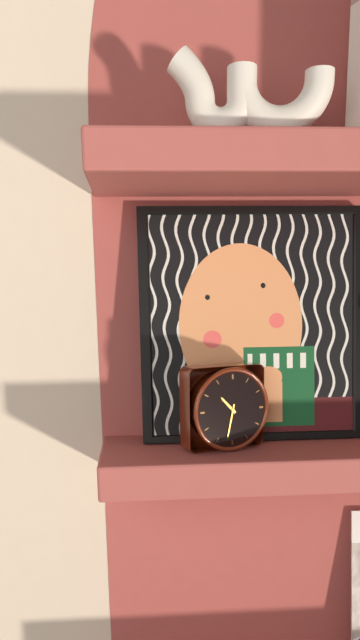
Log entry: 10:32
